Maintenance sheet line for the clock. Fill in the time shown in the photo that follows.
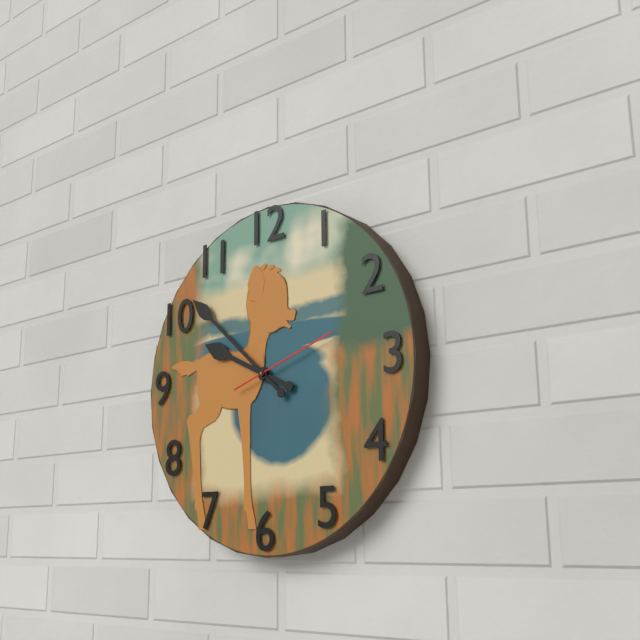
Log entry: 9:52:12
